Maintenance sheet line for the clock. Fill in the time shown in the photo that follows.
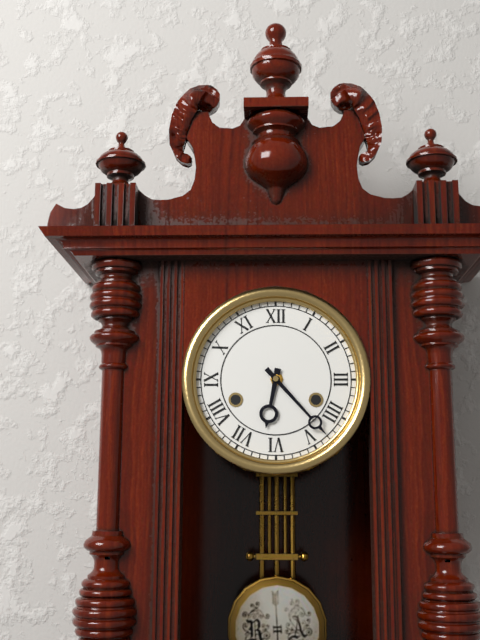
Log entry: 6:23
